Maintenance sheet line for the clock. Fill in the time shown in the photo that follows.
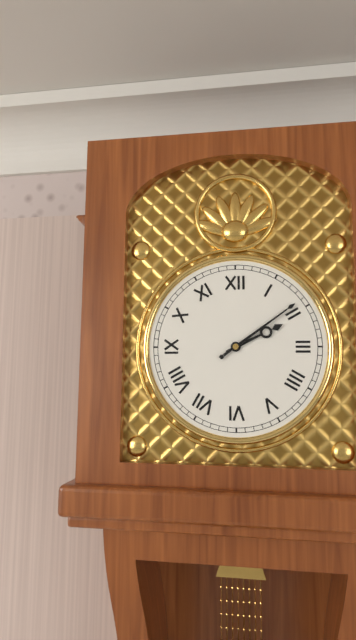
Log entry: 2:09
